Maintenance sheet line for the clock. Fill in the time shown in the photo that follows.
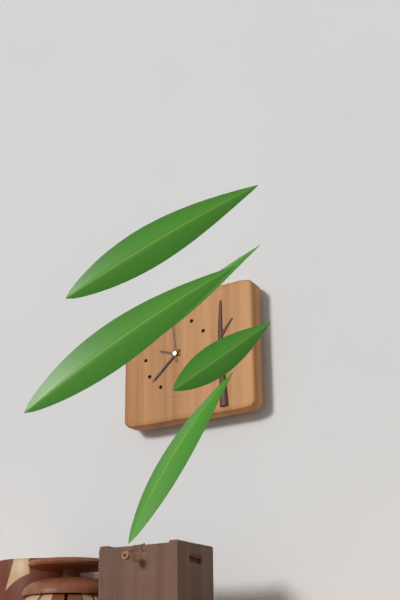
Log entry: 9:38
